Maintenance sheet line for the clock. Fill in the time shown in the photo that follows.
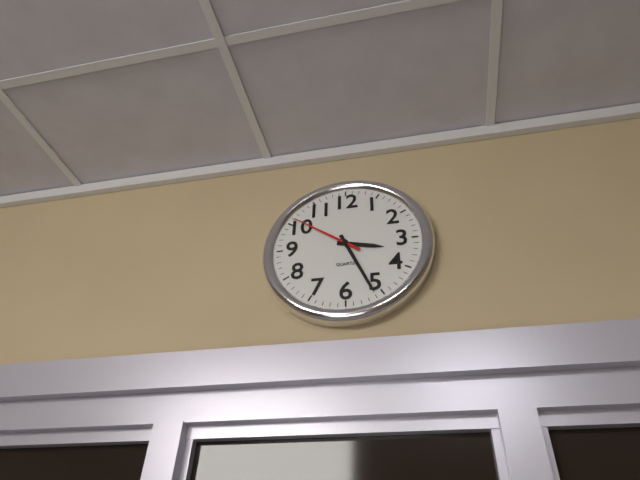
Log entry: 3:26:51
